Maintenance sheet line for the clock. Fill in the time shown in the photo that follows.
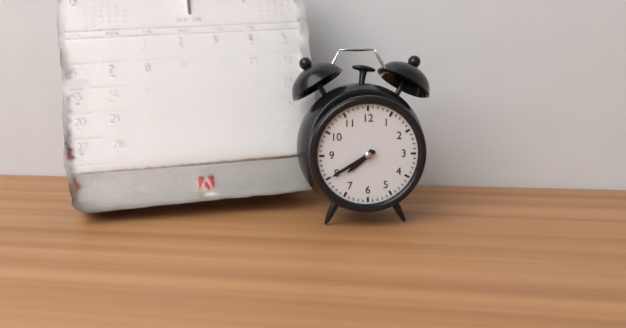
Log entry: 7:40
